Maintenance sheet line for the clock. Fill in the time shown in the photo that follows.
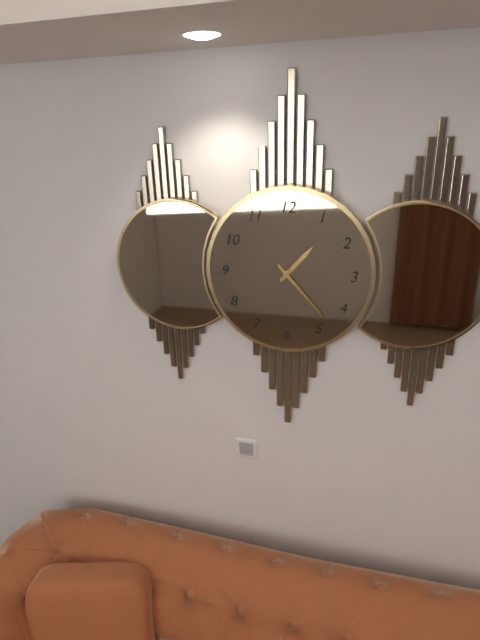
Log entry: 1:23
